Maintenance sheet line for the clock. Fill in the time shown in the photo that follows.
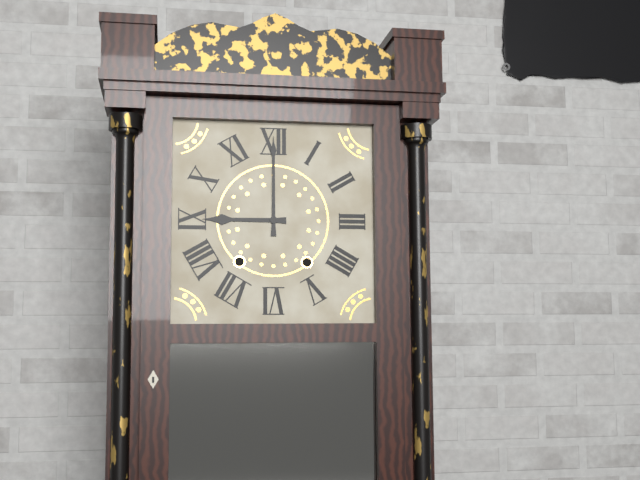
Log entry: 9:00
